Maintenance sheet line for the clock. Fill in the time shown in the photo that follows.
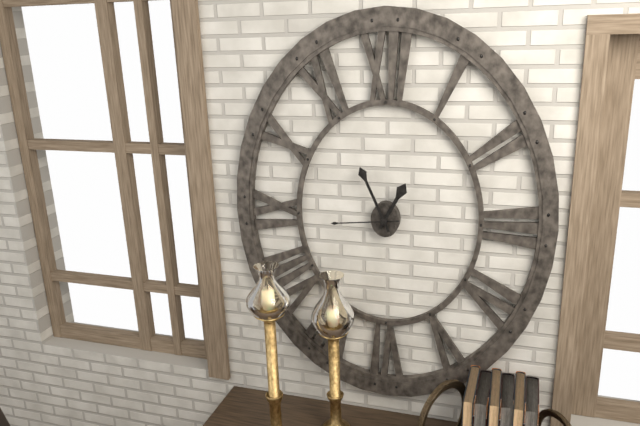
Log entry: 12:56:44
